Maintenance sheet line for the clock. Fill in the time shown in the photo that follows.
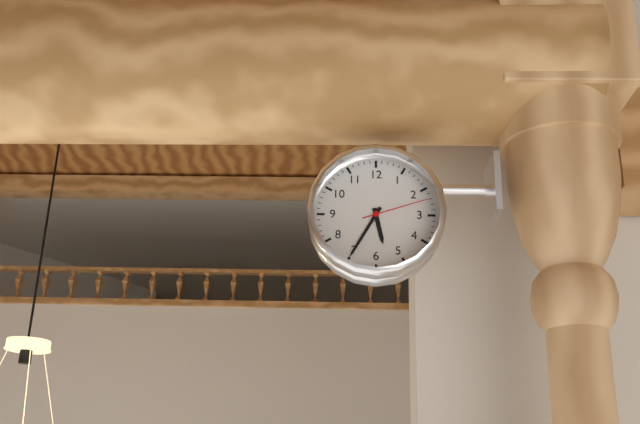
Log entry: 5:35:12
